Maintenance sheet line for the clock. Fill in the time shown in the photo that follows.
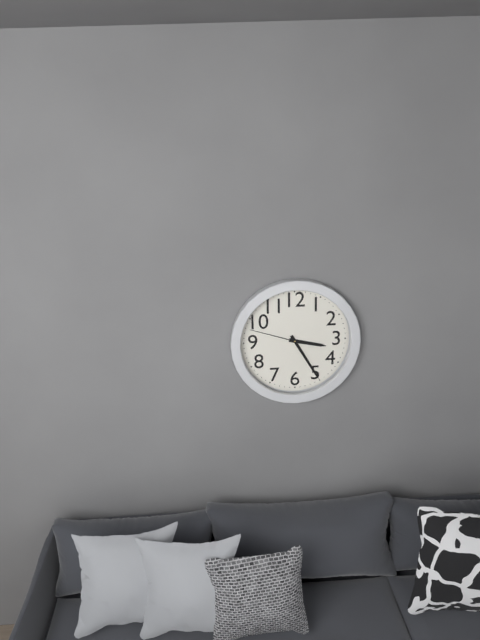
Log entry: 3:25:48
